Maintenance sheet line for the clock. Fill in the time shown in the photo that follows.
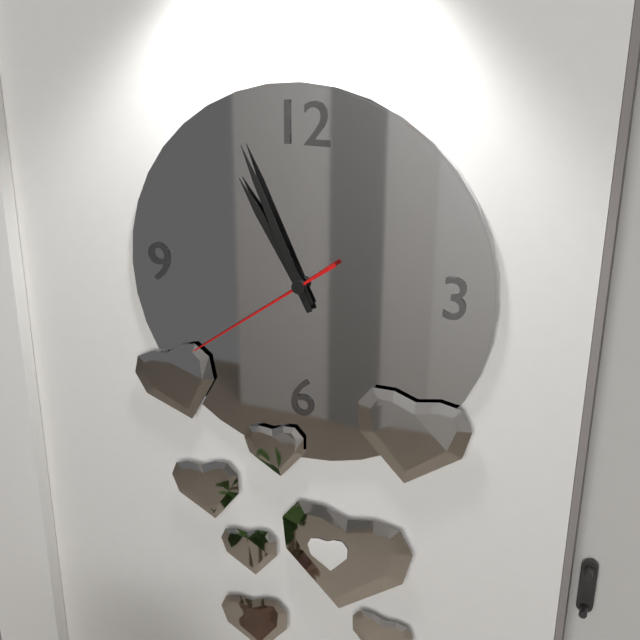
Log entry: 10:56:39
